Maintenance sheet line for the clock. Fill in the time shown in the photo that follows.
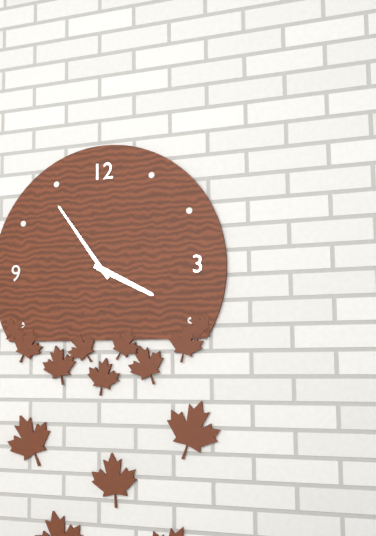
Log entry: 3:54
